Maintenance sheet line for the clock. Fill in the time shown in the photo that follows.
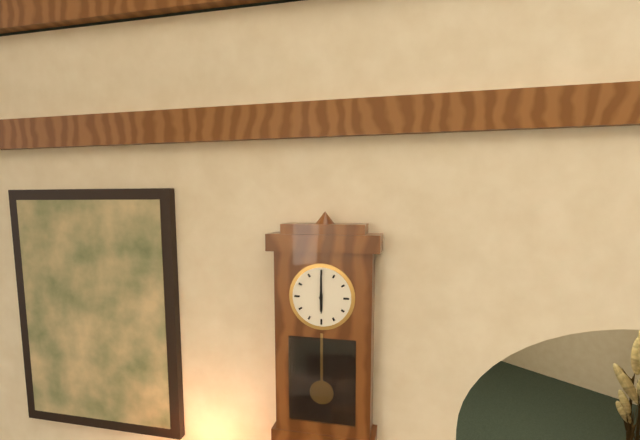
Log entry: 6:00
